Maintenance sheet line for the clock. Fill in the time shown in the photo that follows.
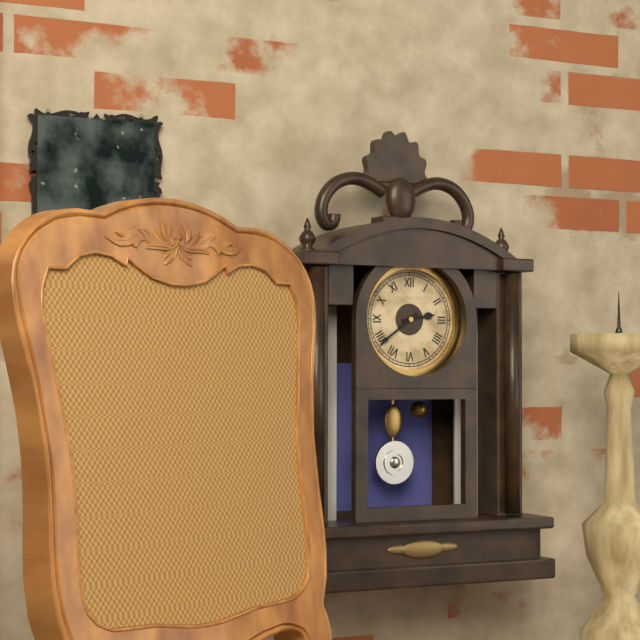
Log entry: 2:39
